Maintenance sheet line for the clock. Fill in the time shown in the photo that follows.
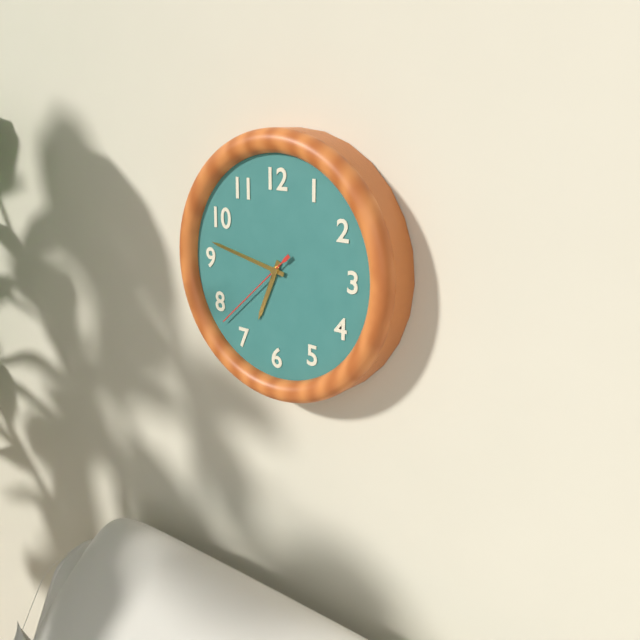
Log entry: 6:47:38
